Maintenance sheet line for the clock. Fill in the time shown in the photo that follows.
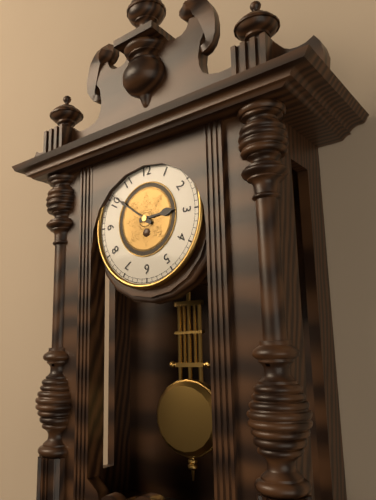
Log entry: 2:51
